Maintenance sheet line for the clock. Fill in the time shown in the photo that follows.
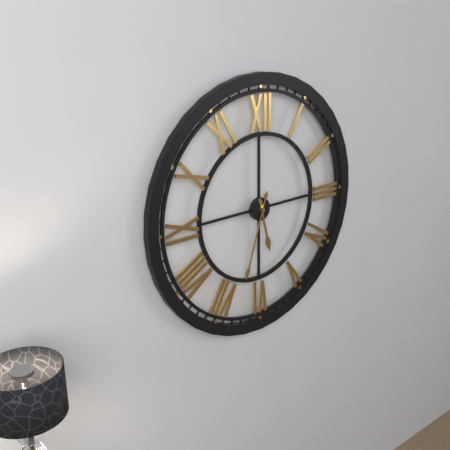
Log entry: 5:33
